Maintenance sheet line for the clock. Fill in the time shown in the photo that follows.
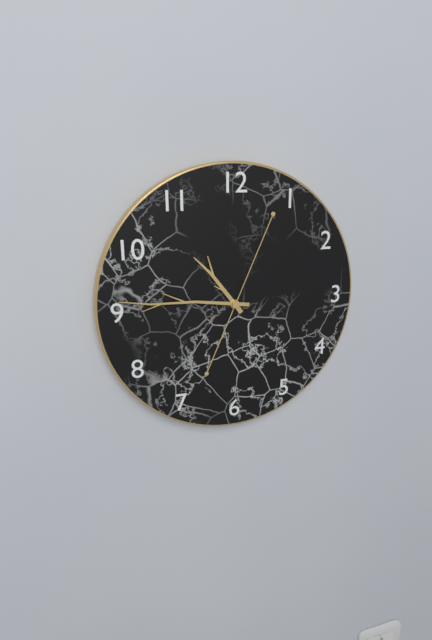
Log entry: 10:46:04
